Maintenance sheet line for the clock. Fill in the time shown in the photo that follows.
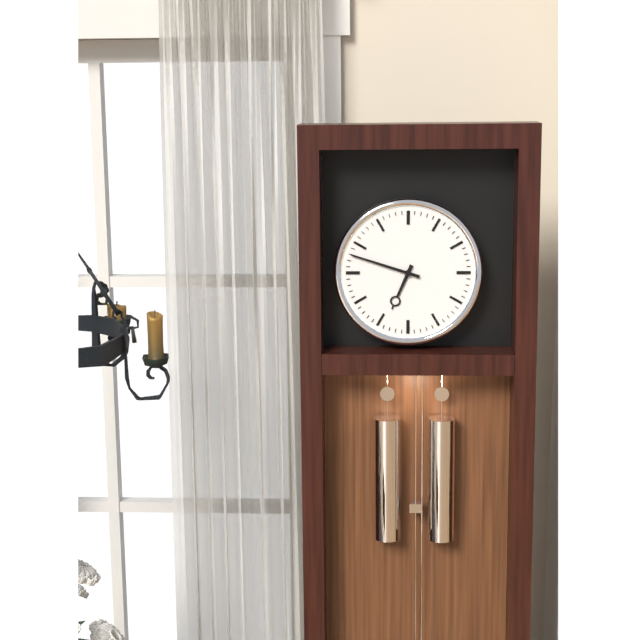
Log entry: 6:48
